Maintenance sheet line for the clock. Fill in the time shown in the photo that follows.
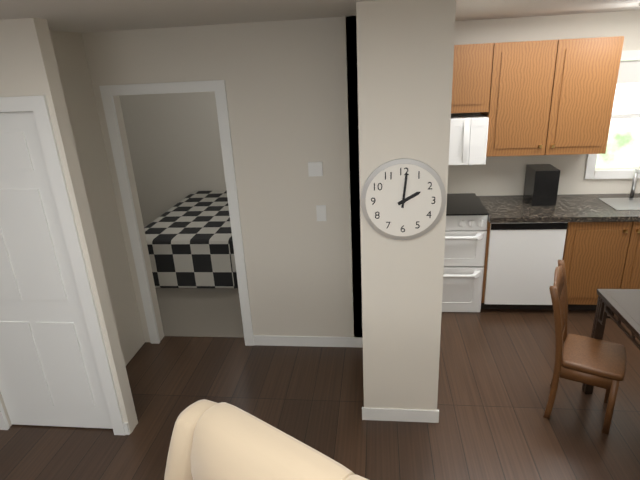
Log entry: 2:01
